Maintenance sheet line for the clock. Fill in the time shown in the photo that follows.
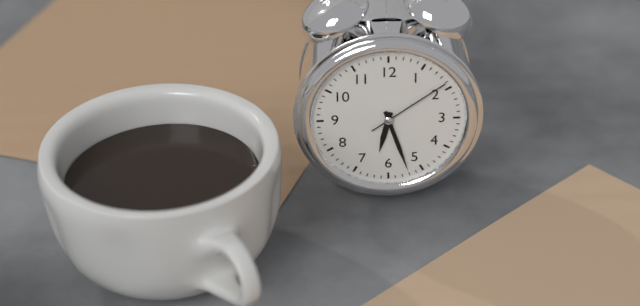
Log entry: 6:27:09
